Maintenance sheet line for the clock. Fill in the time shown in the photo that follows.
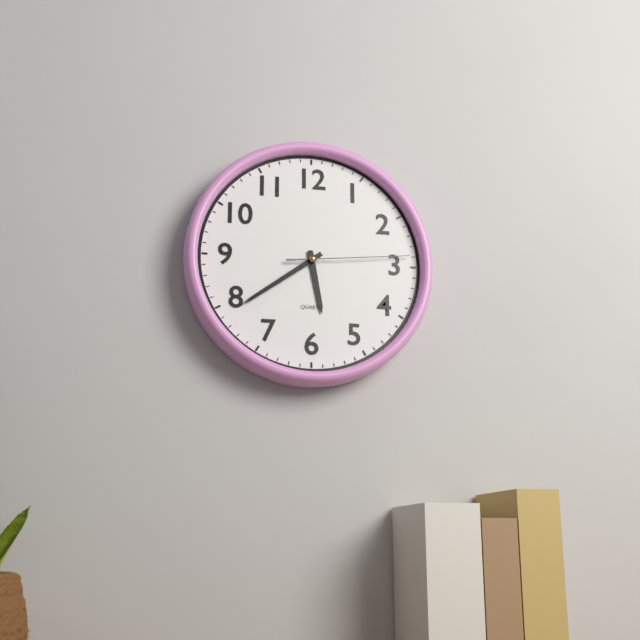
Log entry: 5:39:14
